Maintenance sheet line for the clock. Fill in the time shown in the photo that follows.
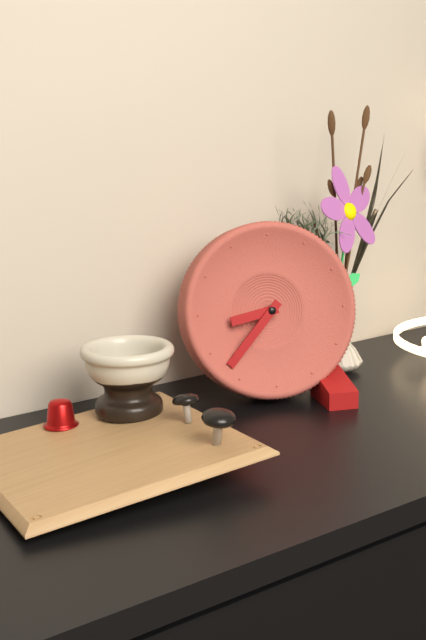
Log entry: 8:37
